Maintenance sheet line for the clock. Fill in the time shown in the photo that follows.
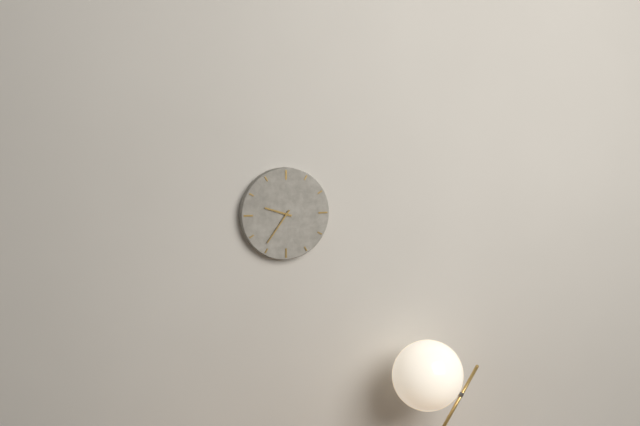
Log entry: 9:36
